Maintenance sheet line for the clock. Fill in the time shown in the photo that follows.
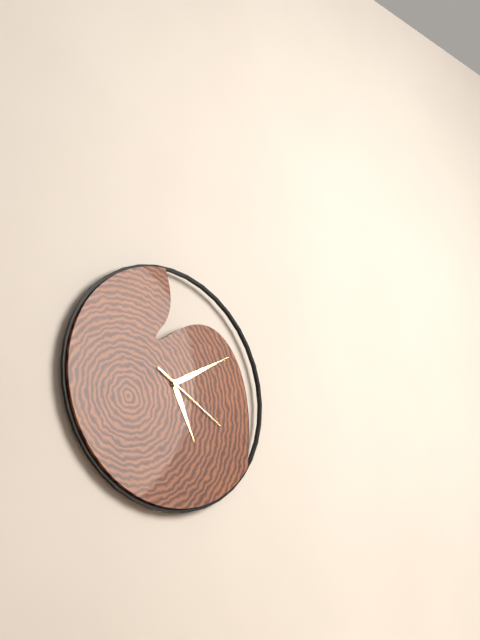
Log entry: 5:10:20
